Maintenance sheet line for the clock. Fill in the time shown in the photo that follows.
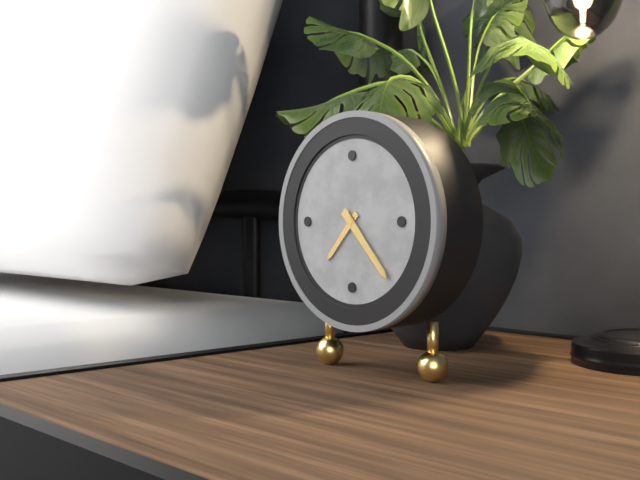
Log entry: 7:23
